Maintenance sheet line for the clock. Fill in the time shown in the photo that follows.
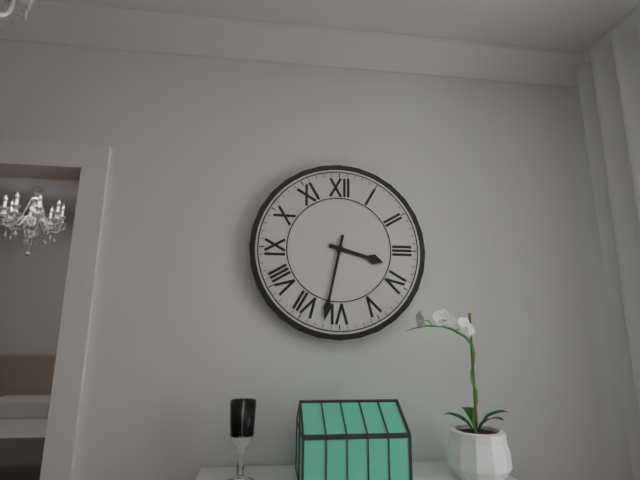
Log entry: 3:32
